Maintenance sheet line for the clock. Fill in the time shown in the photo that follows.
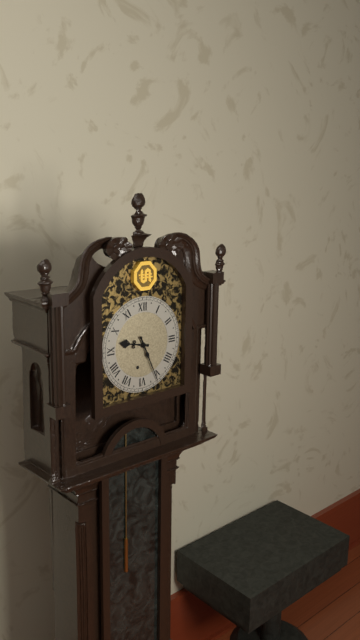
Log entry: 9:26
